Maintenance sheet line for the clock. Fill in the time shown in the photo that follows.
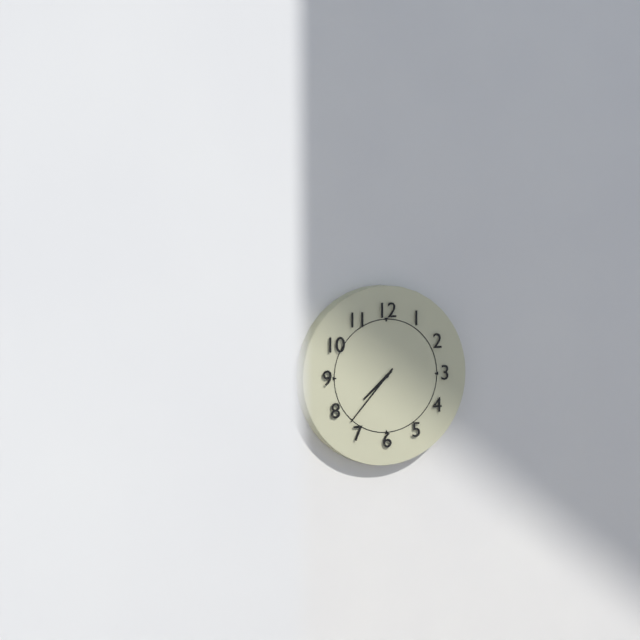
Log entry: 7:37
